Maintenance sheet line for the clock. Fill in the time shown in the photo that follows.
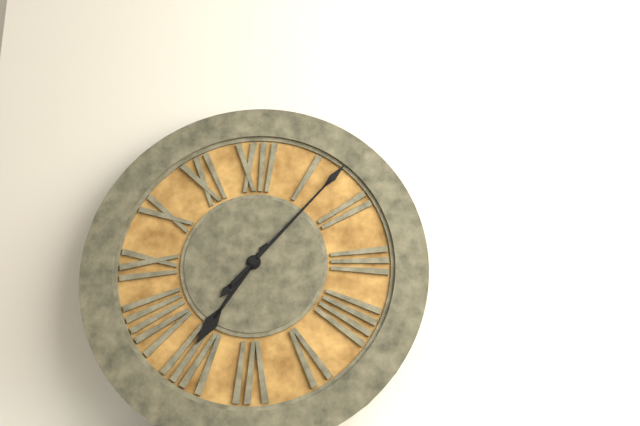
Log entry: 7:07
